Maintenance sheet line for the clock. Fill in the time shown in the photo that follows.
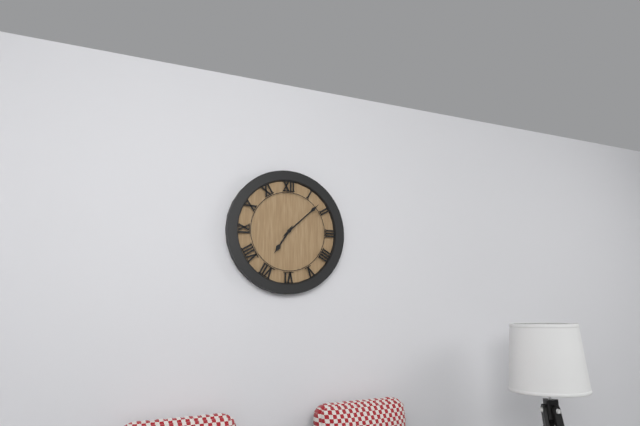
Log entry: 7:08
